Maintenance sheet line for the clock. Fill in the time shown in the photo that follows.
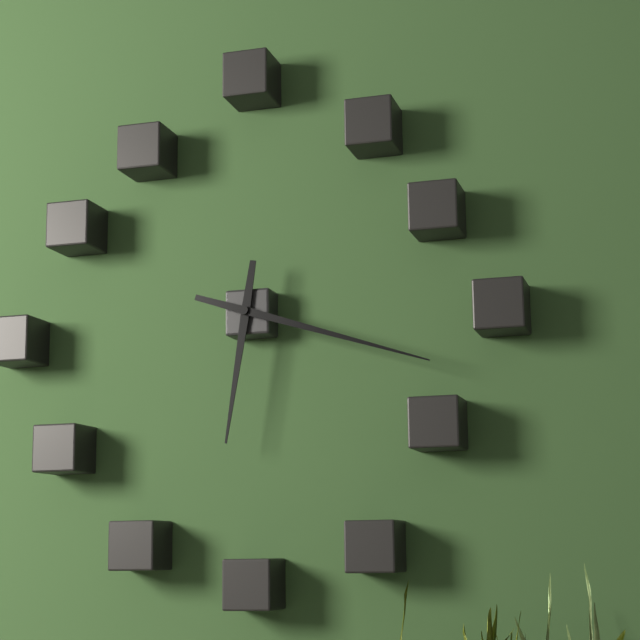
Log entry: 6:18
